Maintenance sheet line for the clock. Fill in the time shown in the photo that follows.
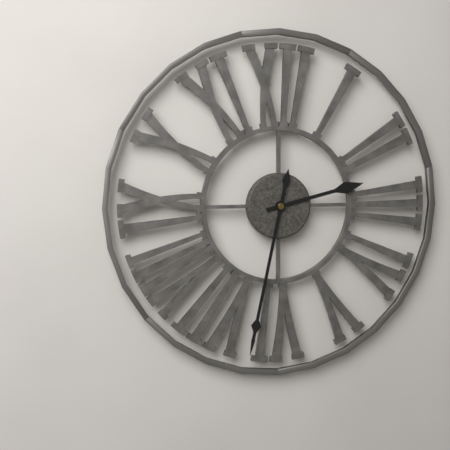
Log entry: 2:32
